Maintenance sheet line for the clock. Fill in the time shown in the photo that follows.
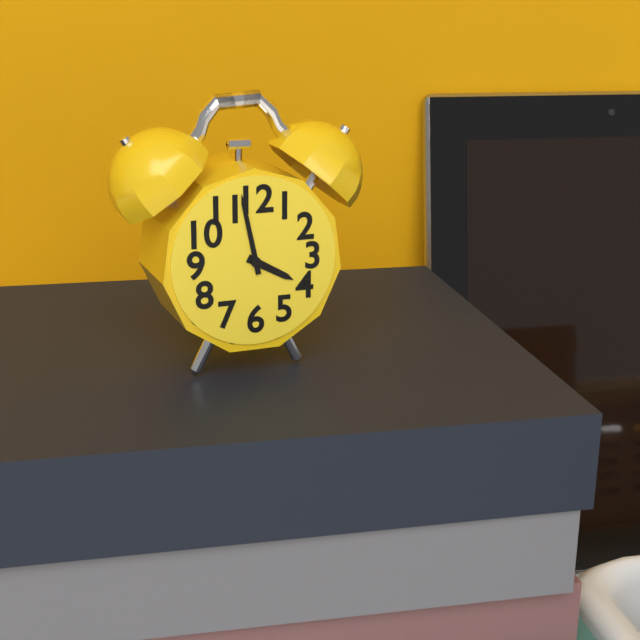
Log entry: 3:58
